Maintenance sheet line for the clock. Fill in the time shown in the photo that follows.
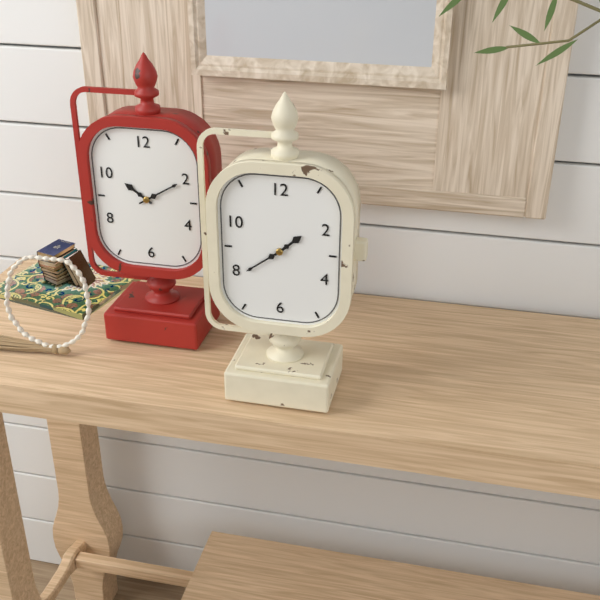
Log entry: 1:39
